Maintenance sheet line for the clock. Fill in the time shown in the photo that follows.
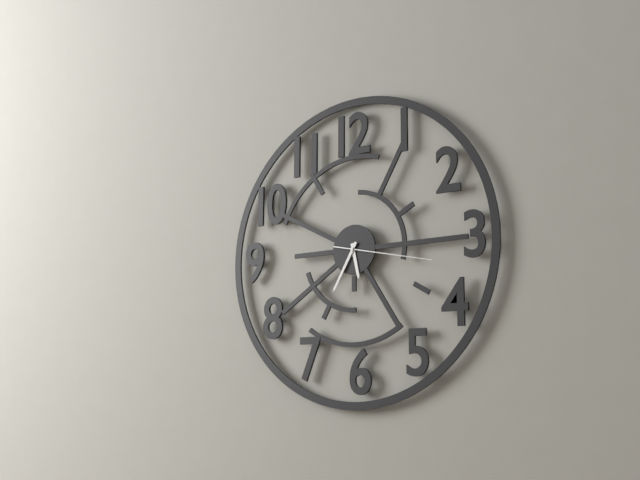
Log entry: 5:35:17
